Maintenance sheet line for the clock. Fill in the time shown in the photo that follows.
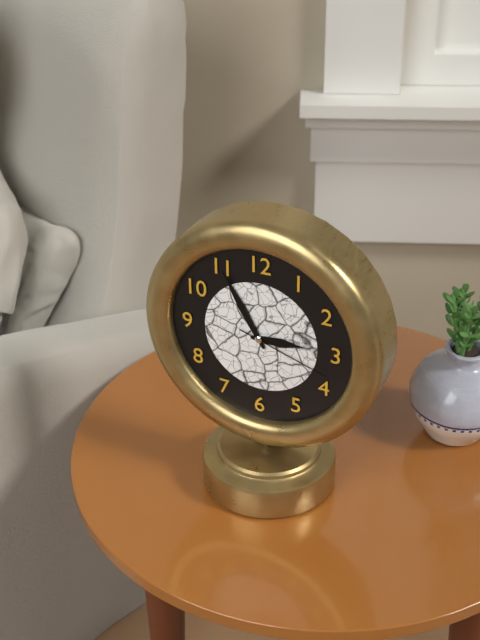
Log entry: 2:55:18
